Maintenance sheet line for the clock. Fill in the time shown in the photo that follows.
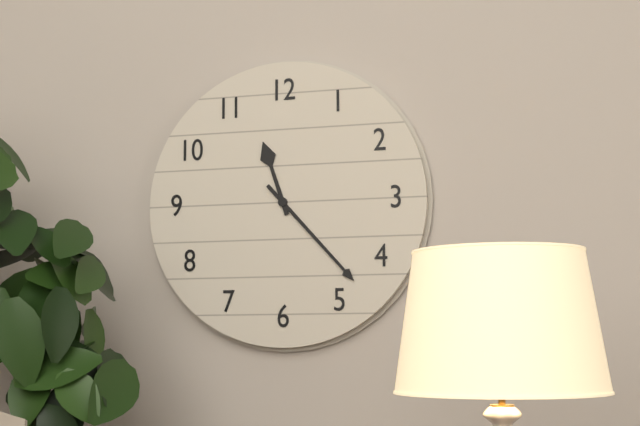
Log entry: 11:23
